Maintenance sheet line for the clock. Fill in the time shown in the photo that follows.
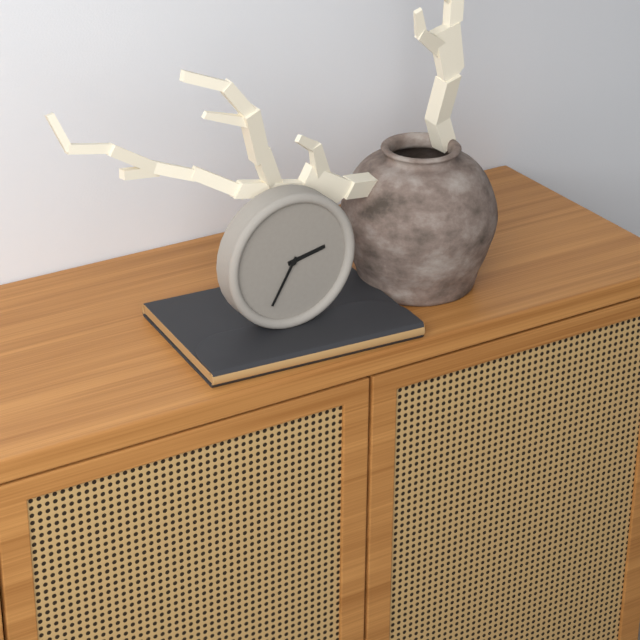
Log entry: 2:35
